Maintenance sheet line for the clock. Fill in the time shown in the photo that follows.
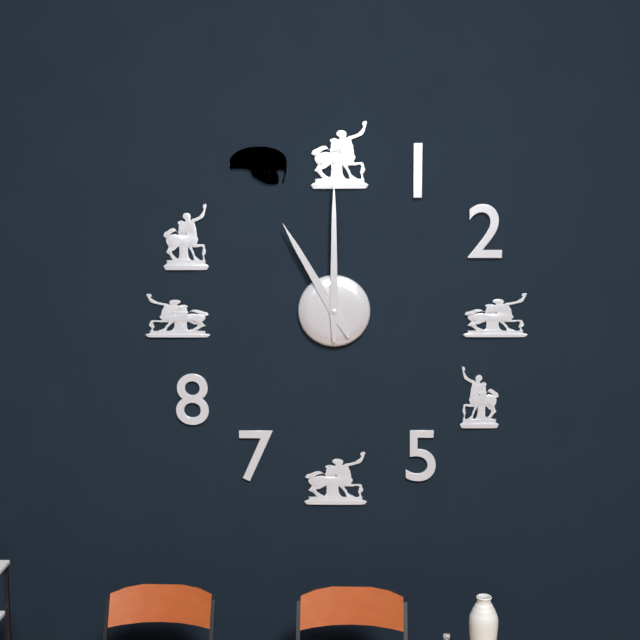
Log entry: 11:00
